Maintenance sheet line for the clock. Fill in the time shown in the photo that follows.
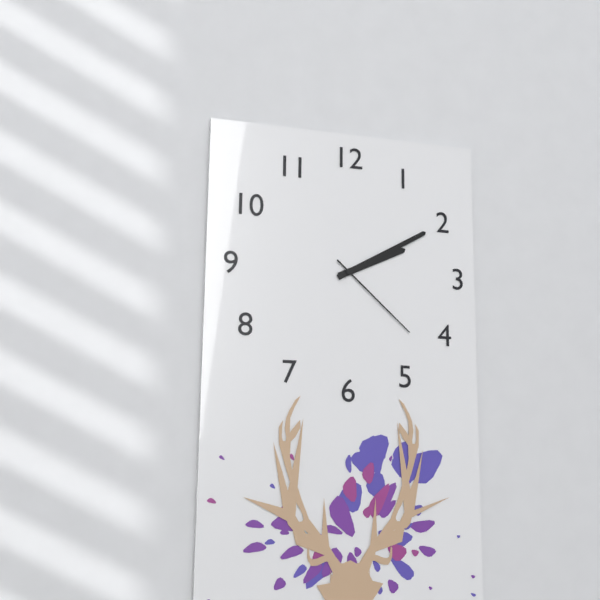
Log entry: 2:10:22
